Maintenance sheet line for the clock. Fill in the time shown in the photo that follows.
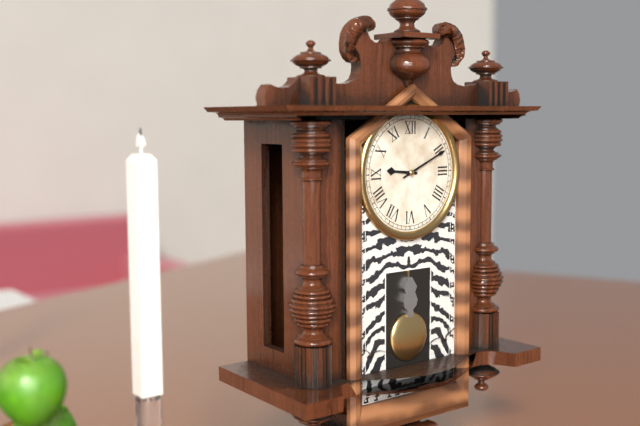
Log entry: 9:11
